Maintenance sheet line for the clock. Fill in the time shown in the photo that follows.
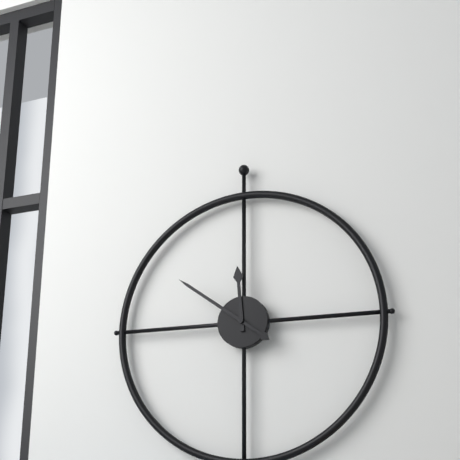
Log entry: 11:51
